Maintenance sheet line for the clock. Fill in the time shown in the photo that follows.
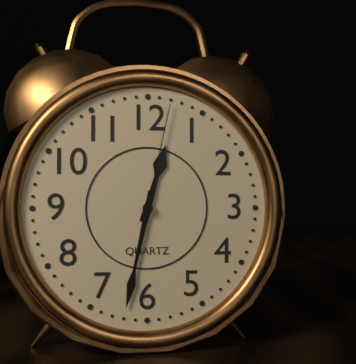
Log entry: 12:32:02
